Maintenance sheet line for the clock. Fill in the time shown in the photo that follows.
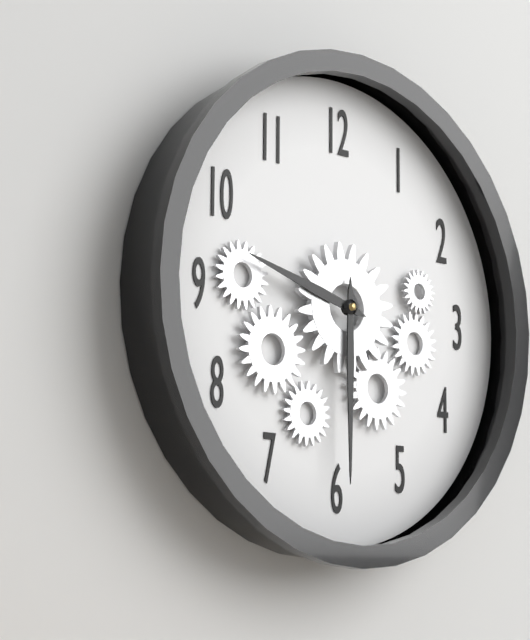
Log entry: 9:30
